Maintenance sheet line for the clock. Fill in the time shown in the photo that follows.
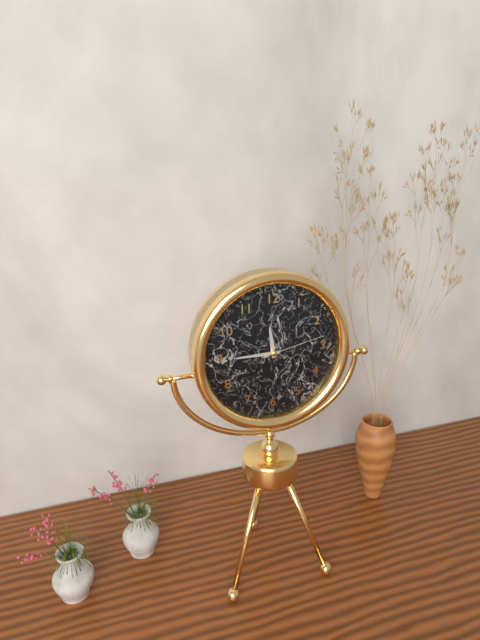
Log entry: 11:45:13
